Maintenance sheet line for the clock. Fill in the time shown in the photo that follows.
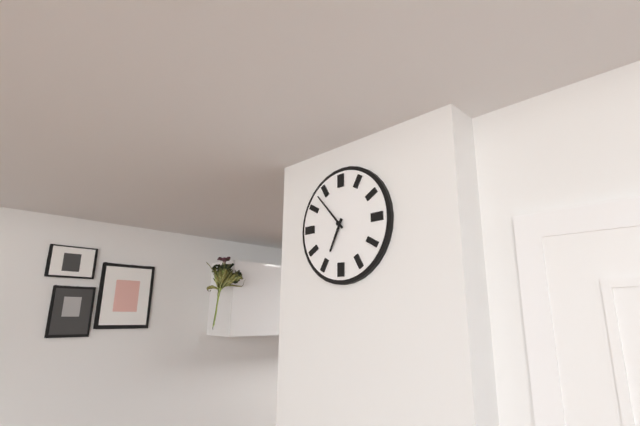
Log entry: 6:53
